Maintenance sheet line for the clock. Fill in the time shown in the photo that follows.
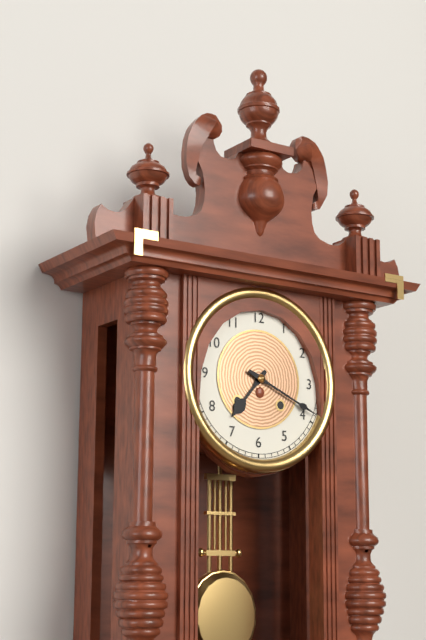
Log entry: 7:19
